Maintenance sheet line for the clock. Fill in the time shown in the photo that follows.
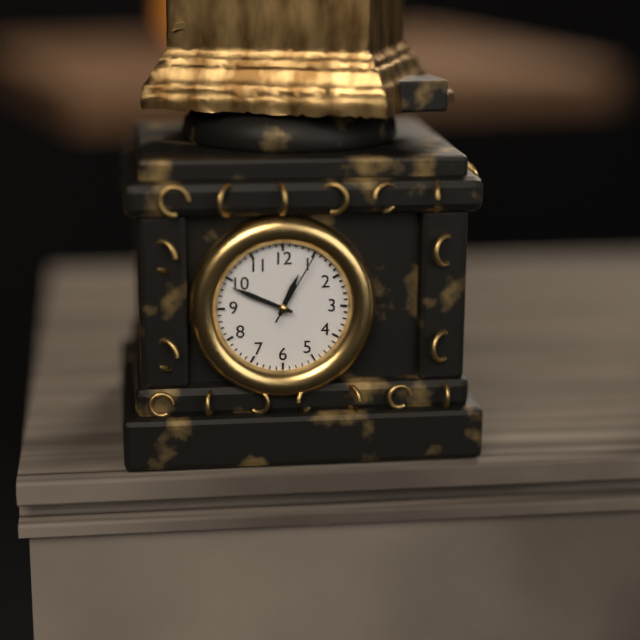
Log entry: 12:49:05
